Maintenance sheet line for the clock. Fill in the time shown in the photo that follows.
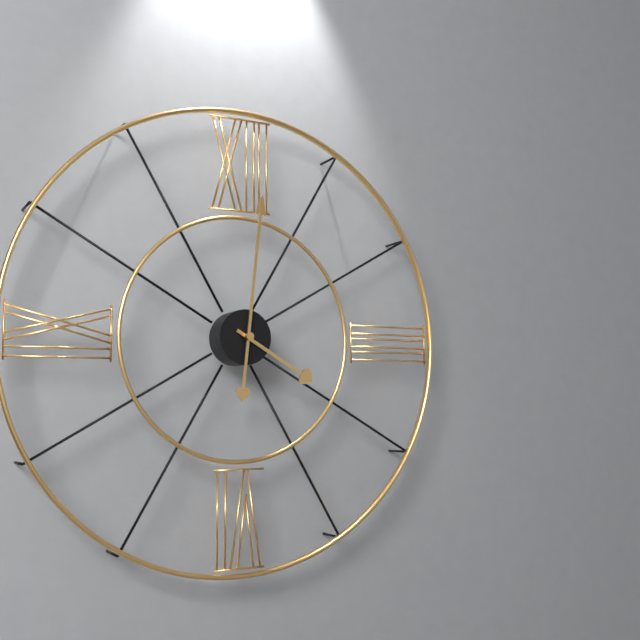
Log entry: 4:01
